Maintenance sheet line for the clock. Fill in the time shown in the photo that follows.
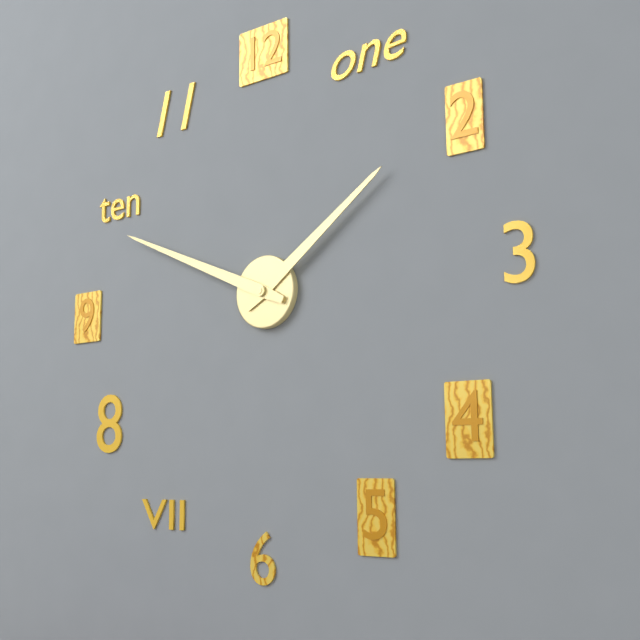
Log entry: 1:49
